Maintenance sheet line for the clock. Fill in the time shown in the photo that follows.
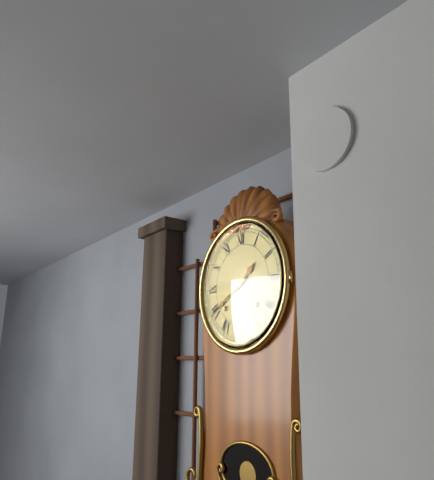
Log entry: 1:40
